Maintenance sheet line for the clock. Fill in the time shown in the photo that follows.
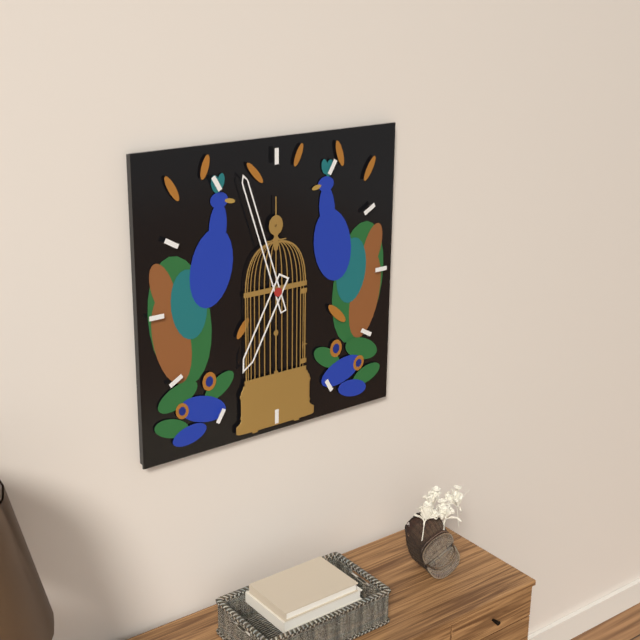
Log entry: 6:57
